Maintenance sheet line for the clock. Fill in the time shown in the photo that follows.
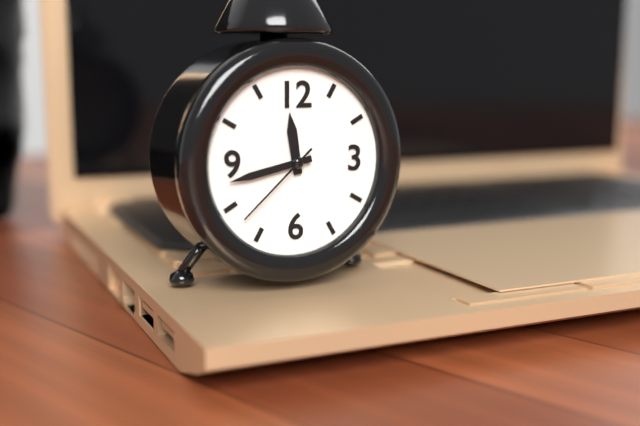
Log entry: 11:43:38
